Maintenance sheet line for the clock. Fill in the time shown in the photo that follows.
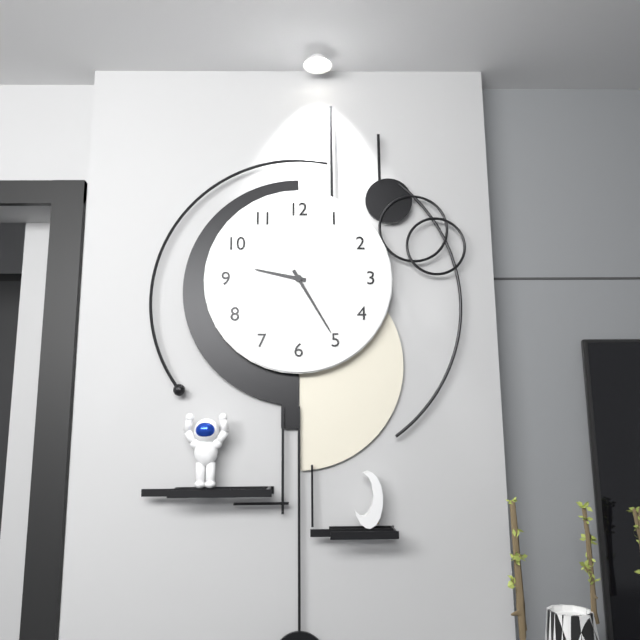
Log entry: 9:25
